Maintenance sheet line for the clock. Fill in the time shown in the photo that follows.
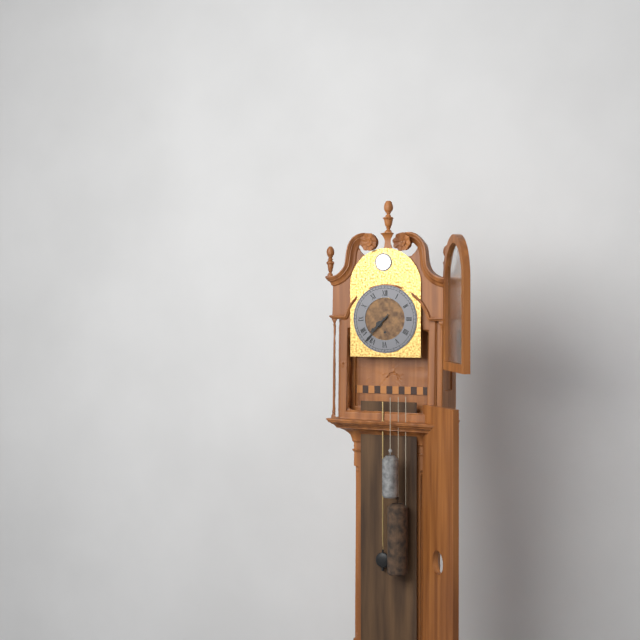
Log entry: 7:37
